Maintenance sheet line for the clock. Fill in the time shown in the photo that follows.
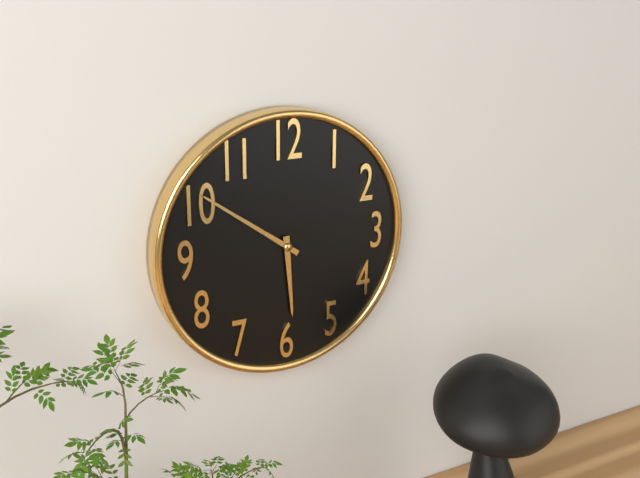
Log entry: 5:51
